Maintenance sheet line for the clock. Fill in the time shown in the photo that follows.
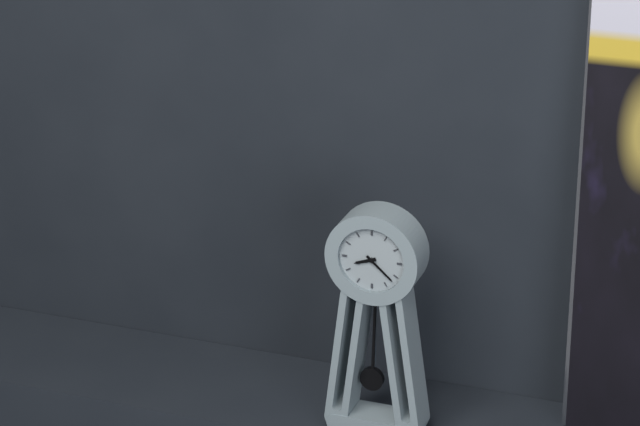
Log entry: 8:22
